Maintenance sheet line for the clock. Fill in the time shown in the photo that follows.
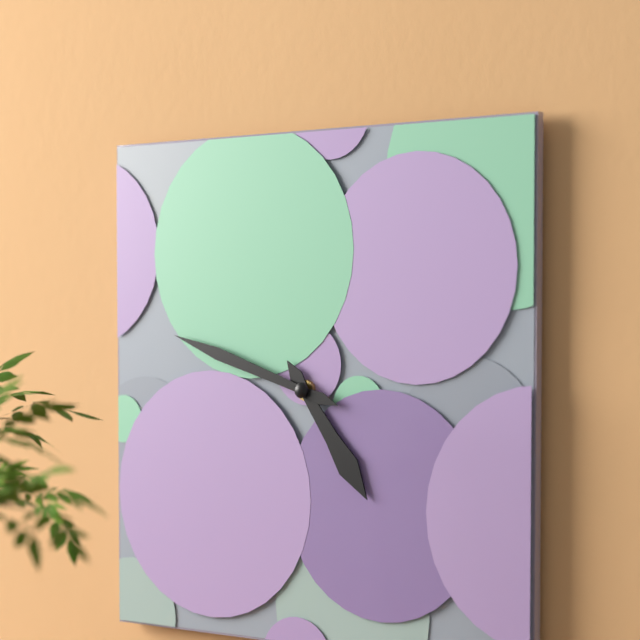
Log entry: 4:48
